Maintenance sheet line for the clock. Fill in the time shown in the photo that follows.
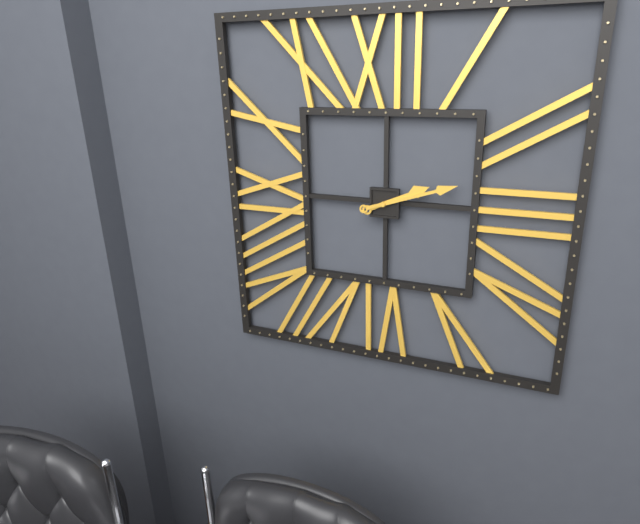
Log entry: 2:12
